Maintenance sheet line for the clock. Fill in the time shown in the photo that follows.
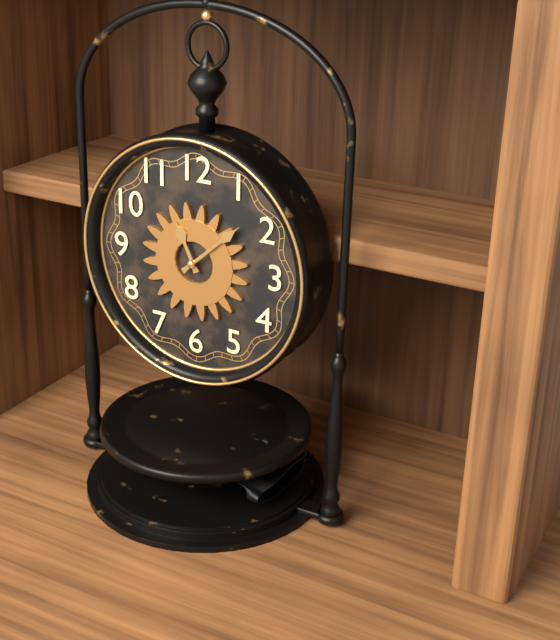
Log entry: 11:08
